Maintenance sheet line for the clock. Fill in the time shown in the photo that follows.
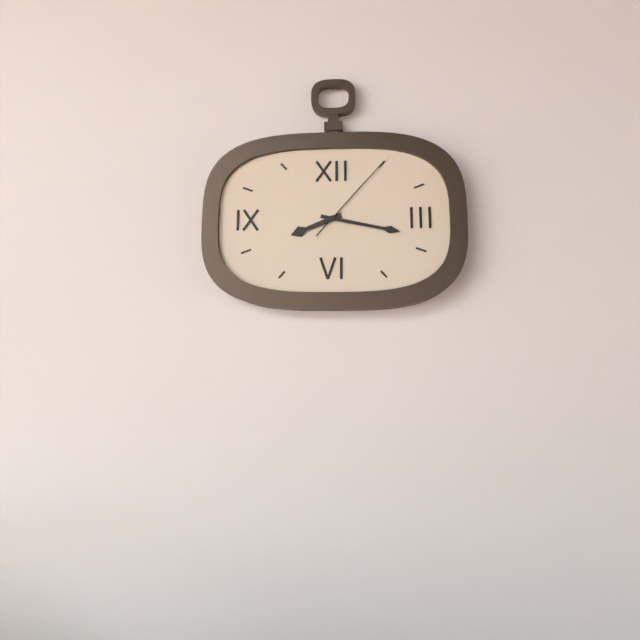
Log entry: 8:17:07
